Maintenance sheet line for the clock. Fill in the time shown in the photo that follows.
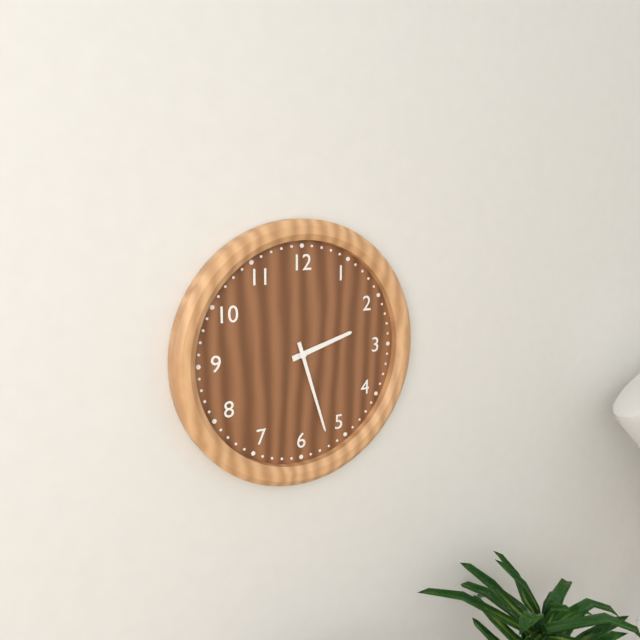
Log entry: 2:27
